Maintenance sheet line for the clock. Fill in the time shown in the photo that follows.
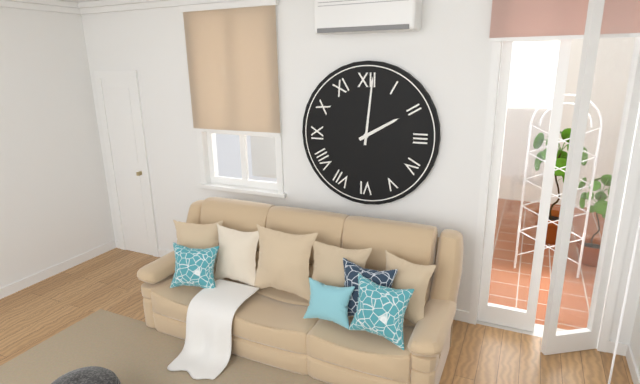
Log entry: 2:01
